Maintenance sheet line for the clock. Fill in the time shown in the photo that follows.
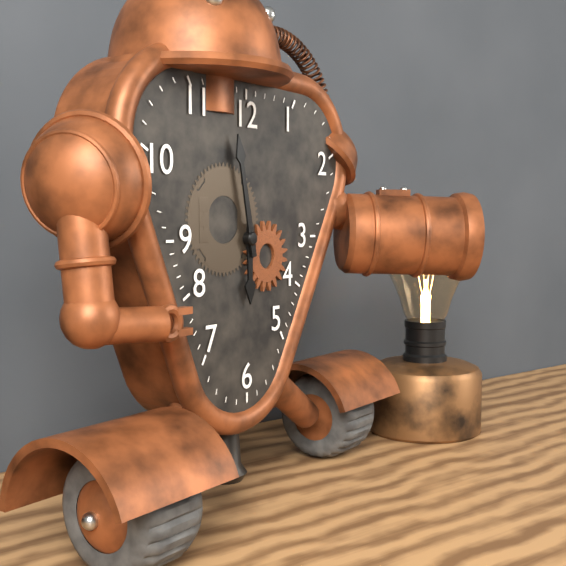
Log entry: 5:58
